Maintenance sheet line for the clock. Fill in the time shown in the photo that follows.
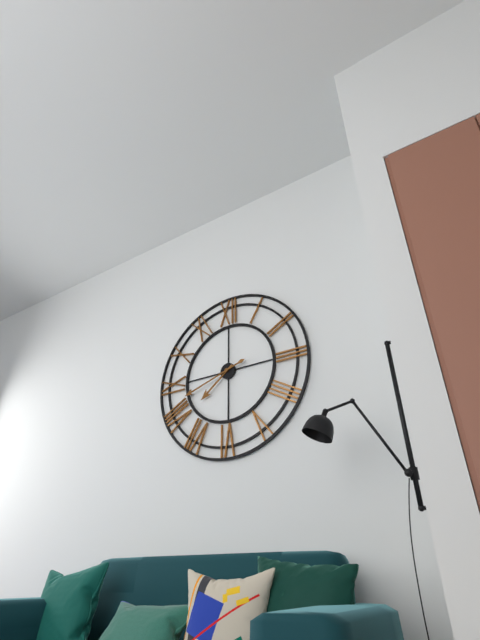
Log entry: 7:42
